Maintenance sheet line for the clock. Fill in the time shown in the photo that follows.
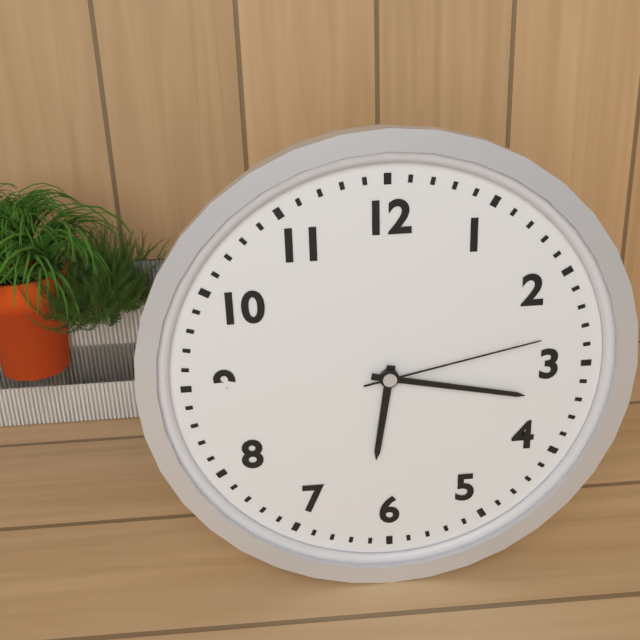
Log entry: 6:17:13
